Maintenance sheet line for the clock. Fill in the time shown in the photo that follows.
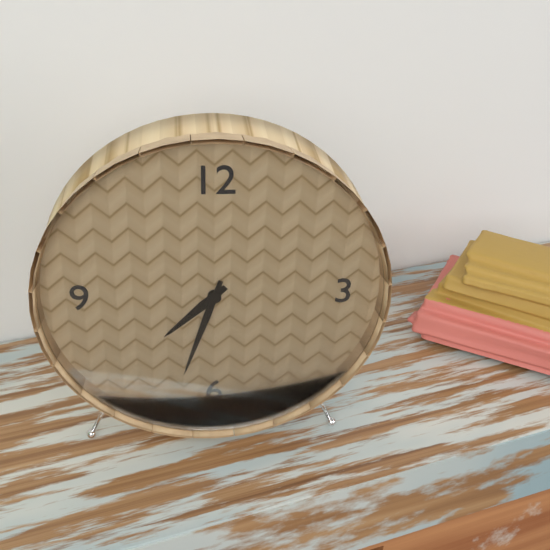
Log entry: 7:33
